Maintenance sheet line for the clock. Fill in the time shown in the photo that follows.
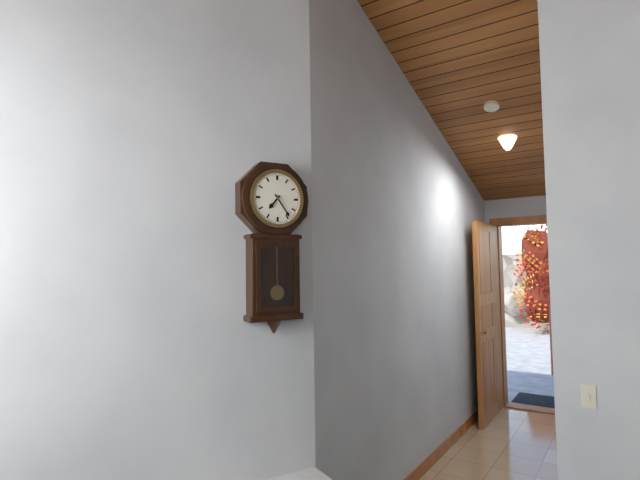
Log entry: 7:24
